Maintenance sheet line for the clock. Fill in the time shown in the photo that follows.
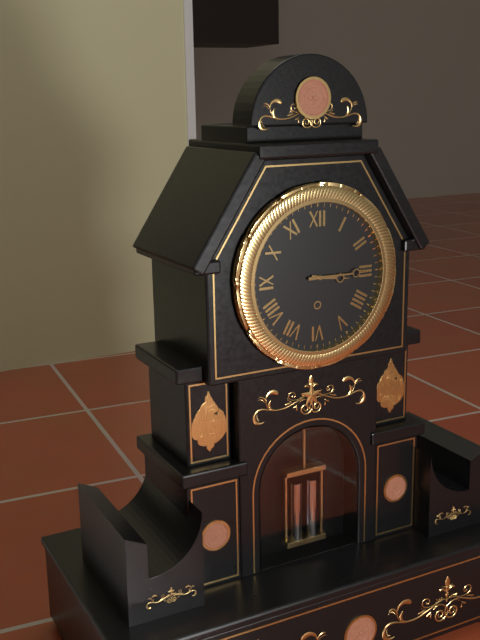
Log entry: 3:15
